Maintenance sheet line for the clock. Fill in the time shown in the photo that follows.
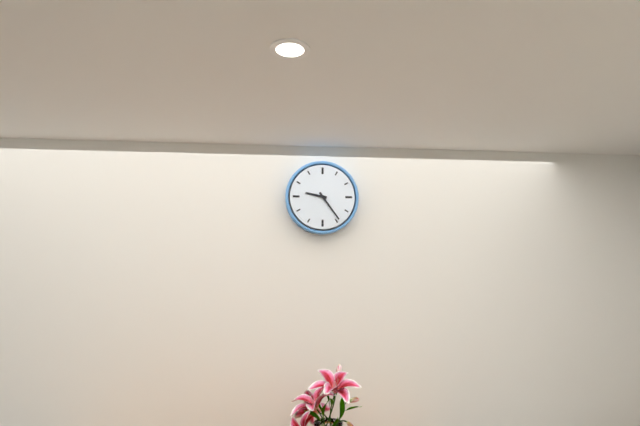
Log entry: 9:24
